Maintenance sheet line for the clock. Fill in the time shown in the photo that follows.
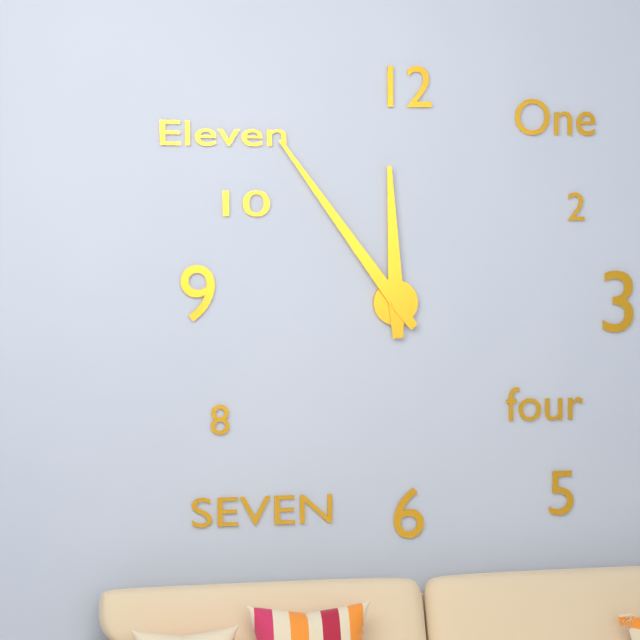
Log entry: 11:54
